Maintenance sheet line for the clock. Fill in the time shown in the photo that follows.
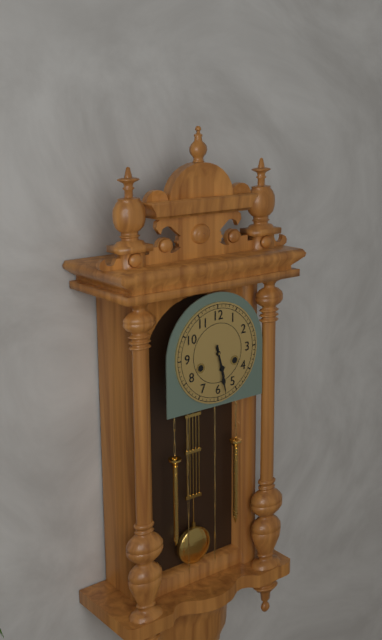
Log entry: 5:28
